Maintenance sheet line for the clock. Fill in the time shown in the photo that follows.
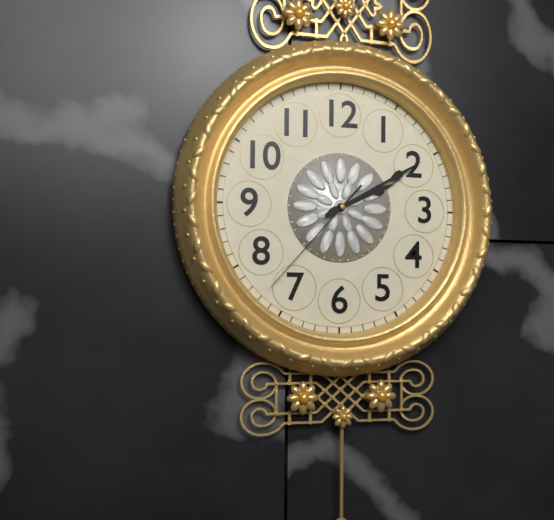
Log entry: 2:10:37
